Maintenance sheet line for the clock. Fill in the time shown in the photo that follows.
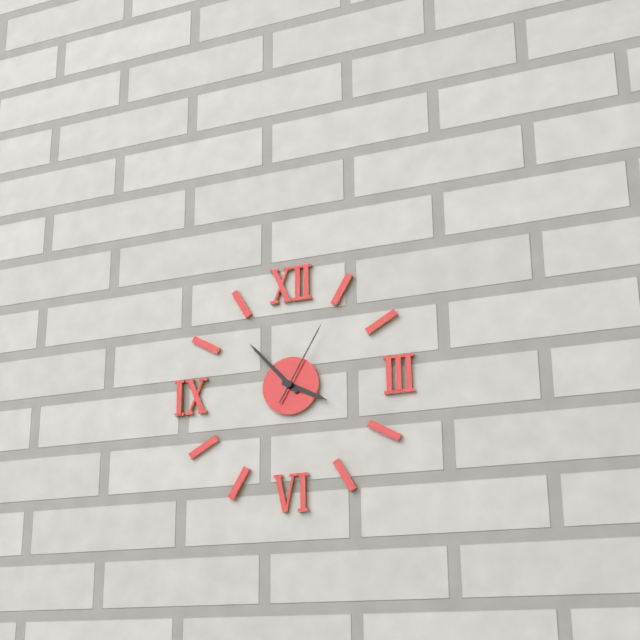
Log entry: 3:53:05
